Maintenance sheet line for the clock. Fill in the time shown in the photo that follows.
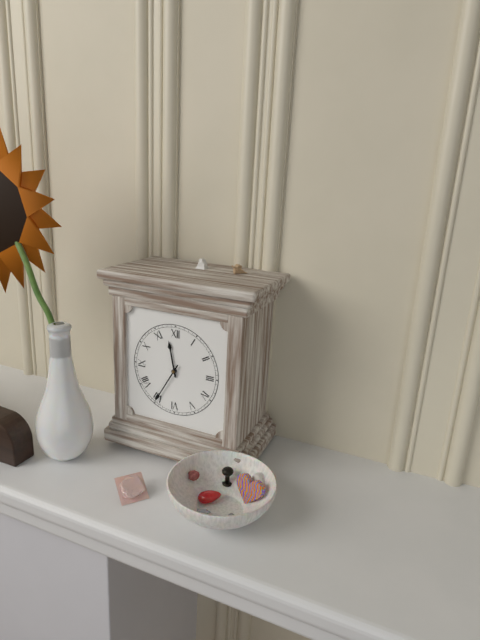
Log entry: 11:35
